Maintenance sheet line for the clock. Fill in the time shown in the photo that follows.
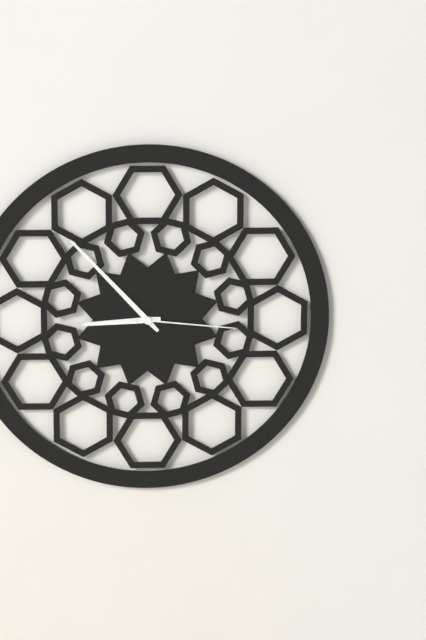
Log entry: 8:53:16
